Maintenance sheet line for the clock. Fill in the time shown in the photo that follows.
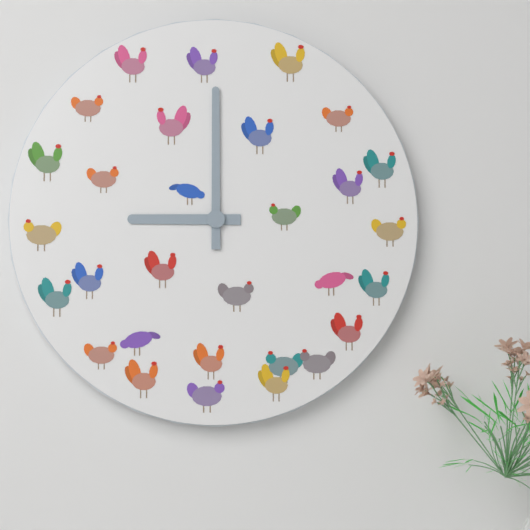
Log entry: 9:00
